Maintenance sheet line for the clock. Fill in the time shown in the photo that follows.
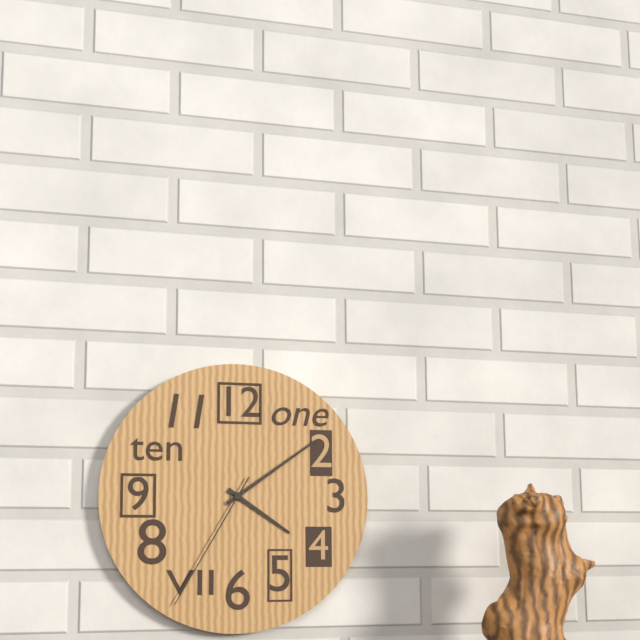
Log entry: 4:09:35
